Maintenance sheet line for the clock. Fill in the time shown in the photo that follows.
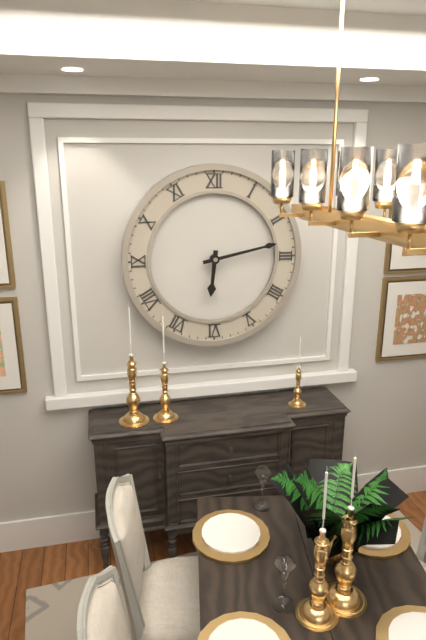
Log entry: 6:13
